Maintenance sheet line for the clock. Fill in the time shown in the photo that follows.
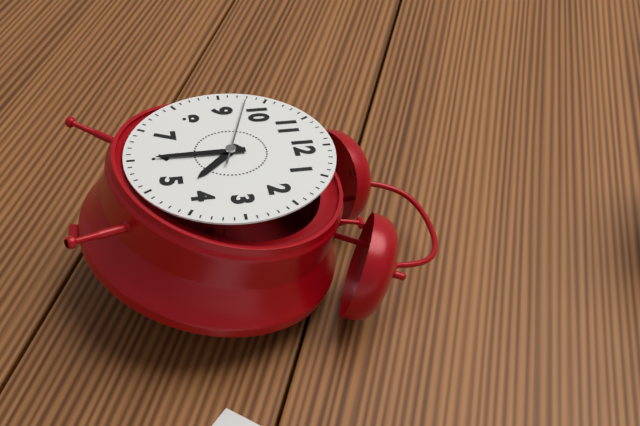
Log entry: 4:30:48
